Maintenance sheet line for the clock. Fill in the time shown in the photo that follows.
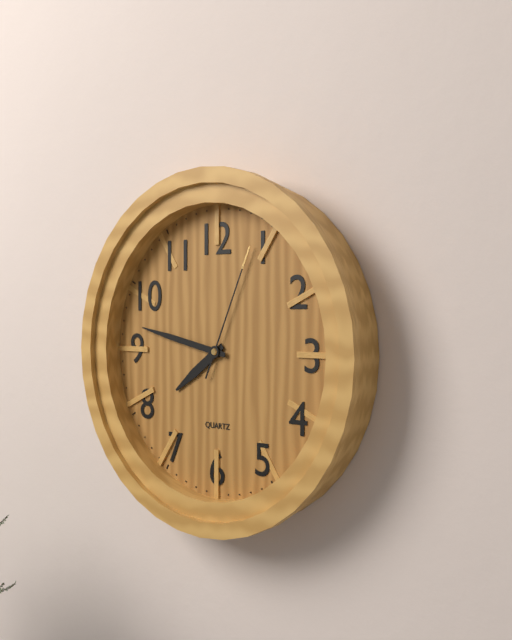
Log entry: 7:47:04
